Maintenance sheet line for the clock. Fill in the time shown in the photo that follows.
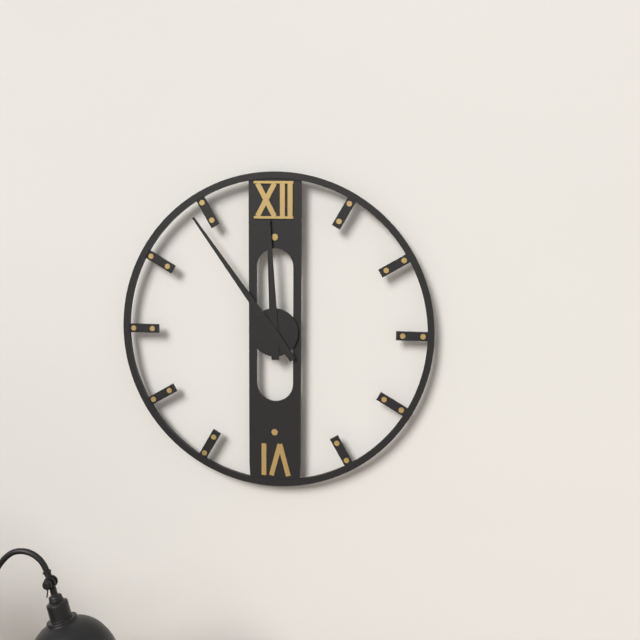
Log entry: 11:54
